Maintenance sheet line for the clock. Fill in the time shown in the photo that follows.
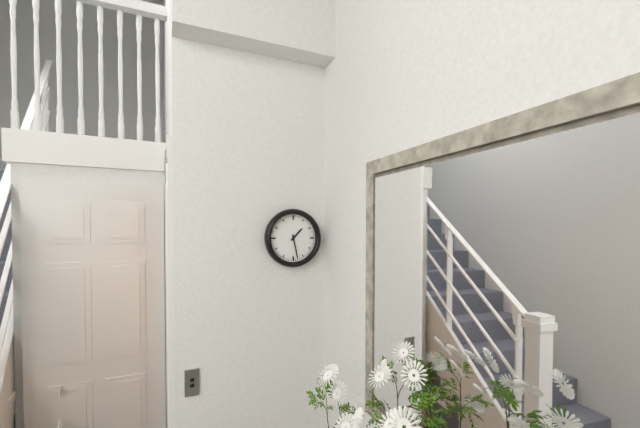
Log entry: 1:28
